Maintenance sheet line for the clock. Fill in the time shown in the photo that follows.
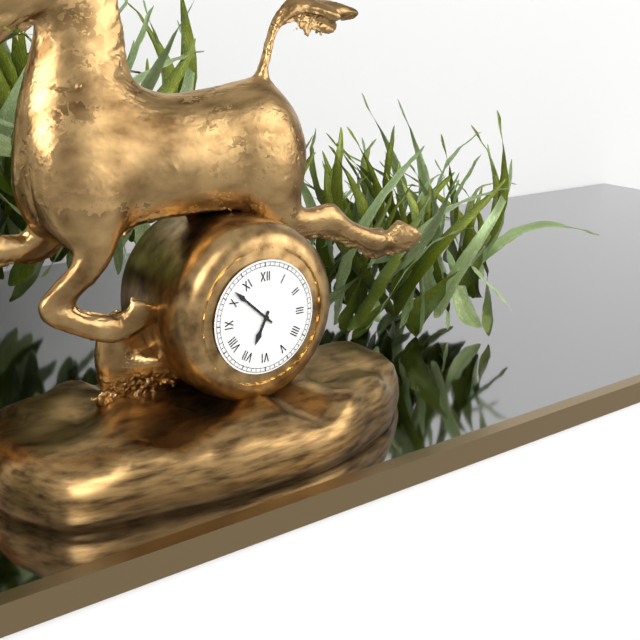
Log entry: 6:52
